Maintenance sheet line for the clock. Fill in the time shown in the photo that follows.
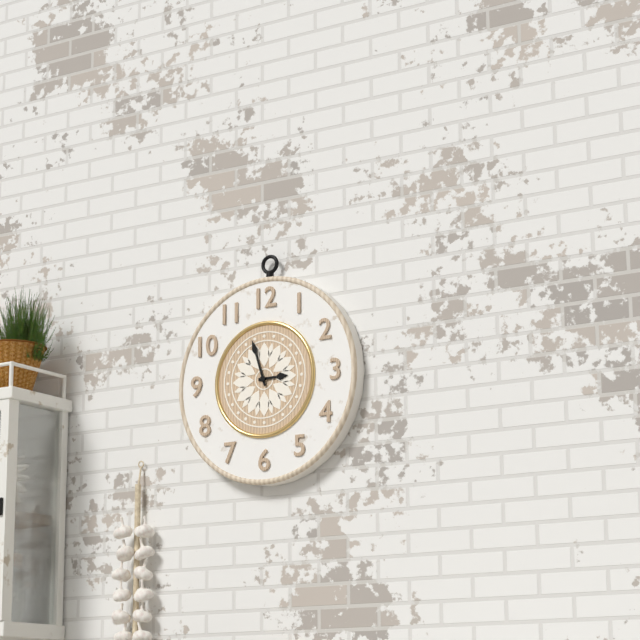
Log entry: 2:57
